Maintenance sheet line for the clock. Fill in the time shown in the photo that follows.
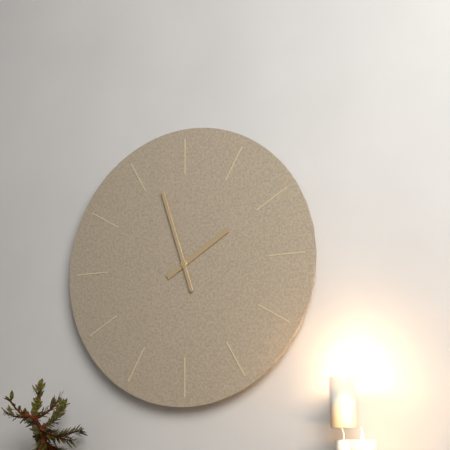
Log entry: 1:57
